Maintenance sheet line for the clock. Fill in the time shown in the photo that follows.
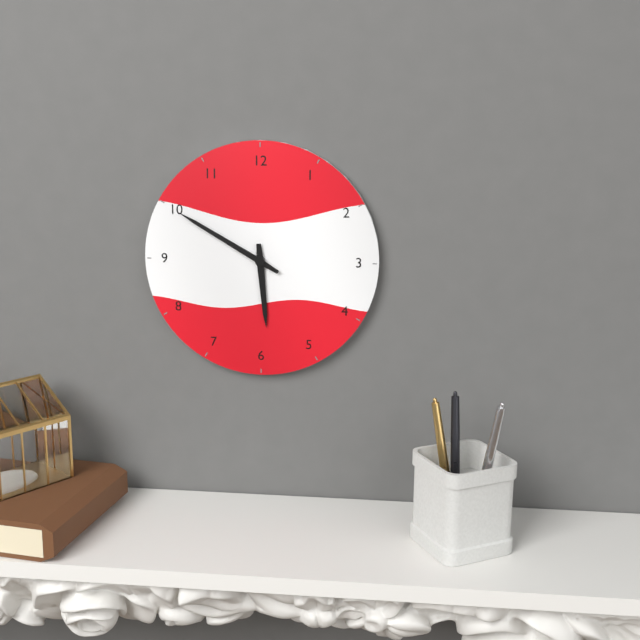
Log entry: 5:50
